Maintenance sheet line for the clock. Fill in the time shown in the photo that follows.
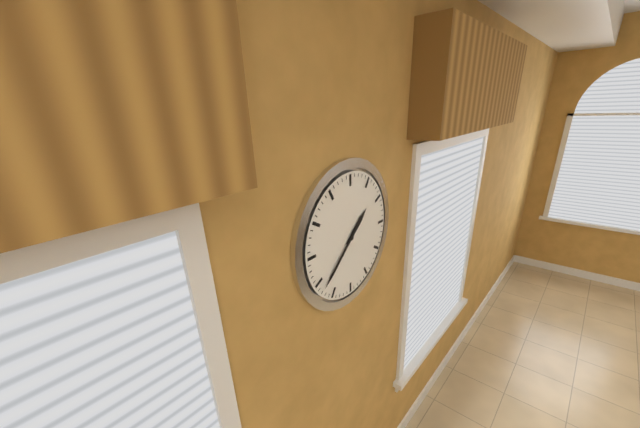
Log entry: 1:38
